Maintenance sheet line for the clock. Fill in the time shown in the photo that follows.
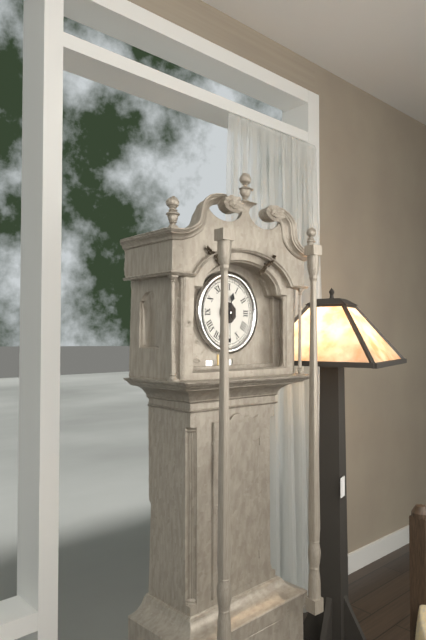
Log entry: 12:30
